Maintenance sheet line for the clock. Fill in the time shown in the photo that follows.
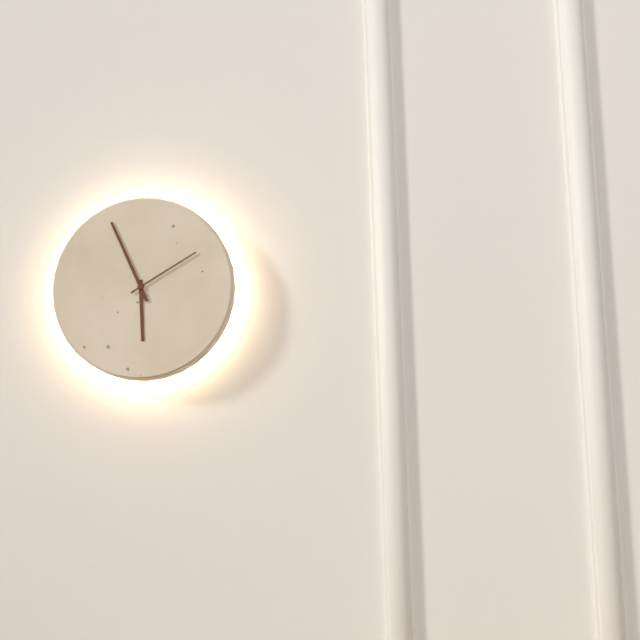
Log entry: 5:56:10
